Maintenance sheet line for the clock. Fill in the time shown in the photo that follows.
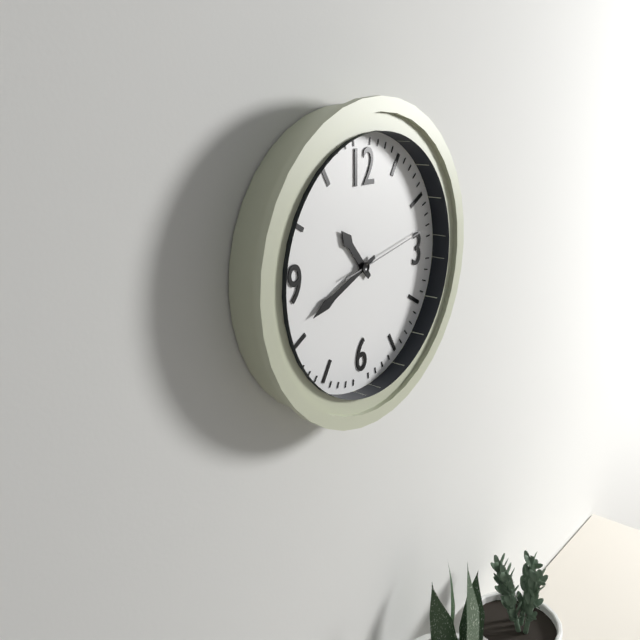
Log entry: 10:41:13
